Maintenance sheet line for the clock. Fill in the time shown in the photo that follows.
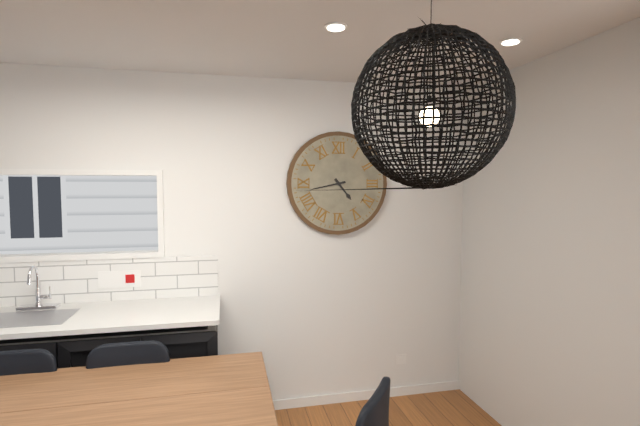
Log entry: 4:43
